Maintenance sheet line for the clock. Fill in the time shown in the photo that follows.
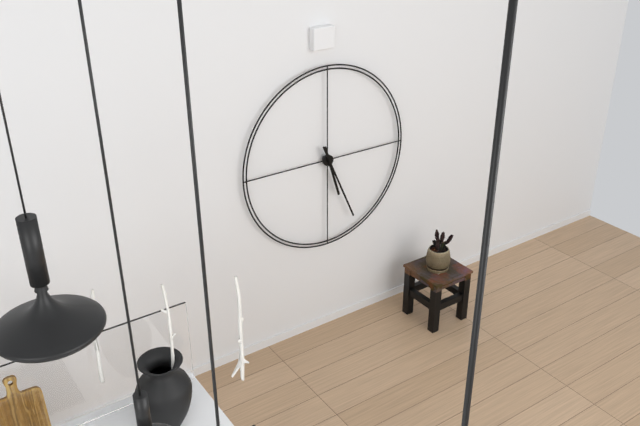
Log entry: 5:26
